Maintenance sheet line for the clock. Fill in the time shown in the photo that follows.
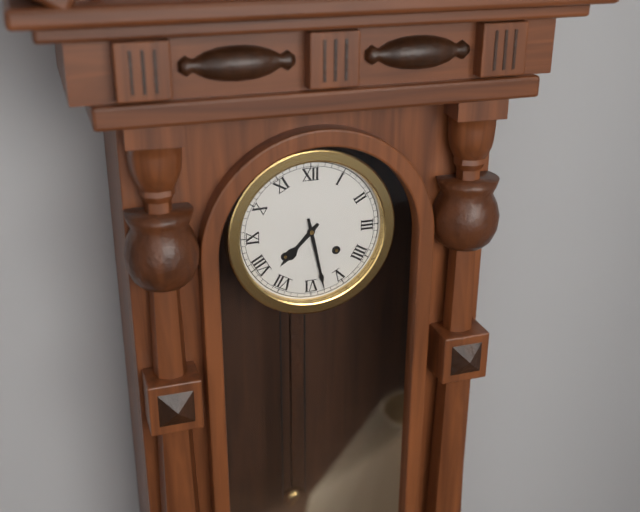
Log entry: 7:28
